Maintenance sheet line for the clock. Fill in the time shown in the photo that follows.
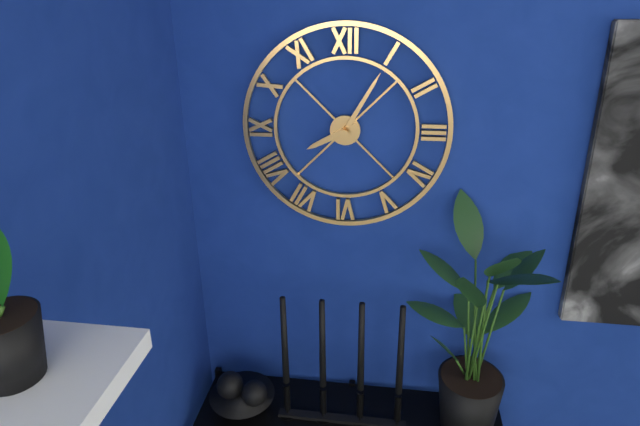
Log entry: 8:05
